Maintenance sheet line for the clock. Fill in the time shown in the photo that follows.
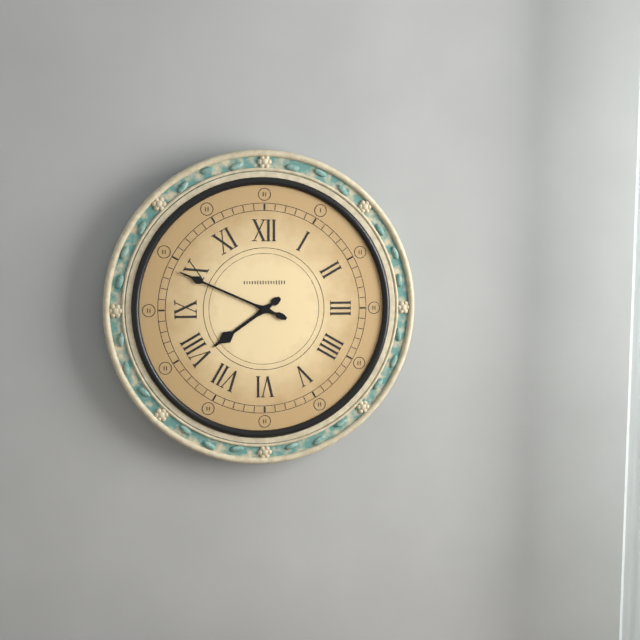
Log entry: 7:49
